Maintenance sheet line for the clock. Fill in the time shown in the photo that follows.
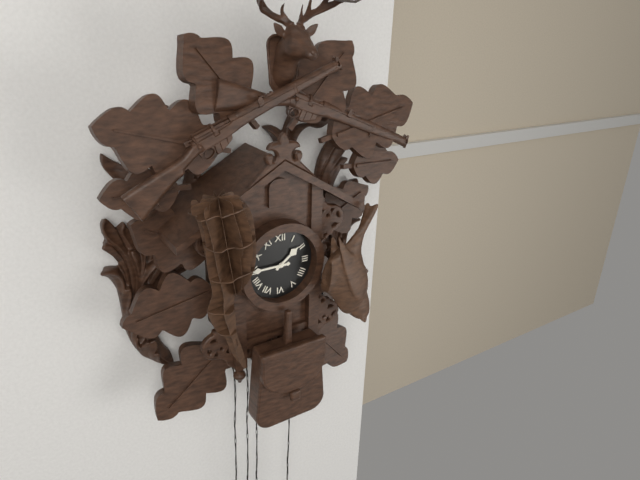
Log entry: 1:45
